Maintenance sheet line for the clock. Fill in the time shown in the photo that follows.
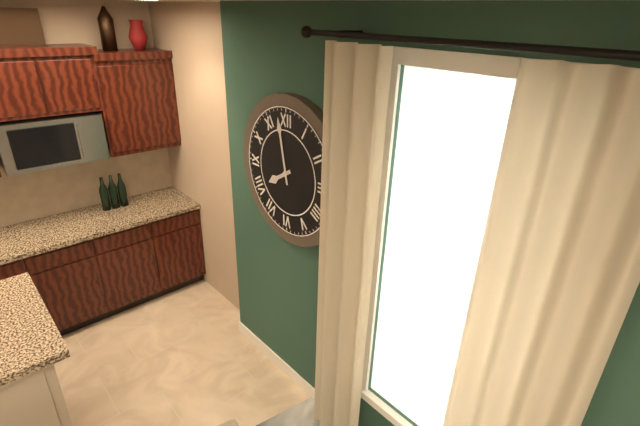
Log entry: 7:58
